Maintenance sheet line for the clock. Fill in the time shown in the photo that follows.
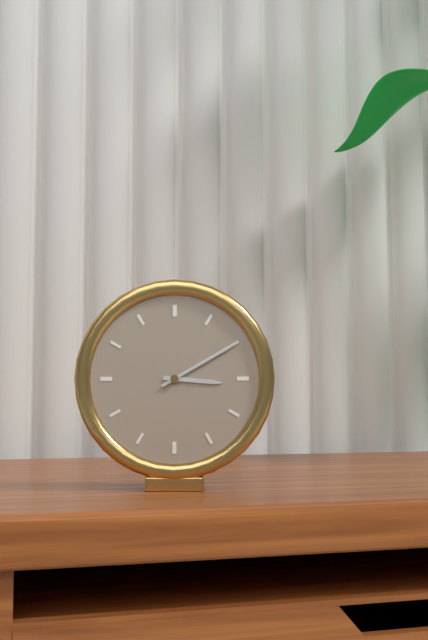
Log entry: 3:10
